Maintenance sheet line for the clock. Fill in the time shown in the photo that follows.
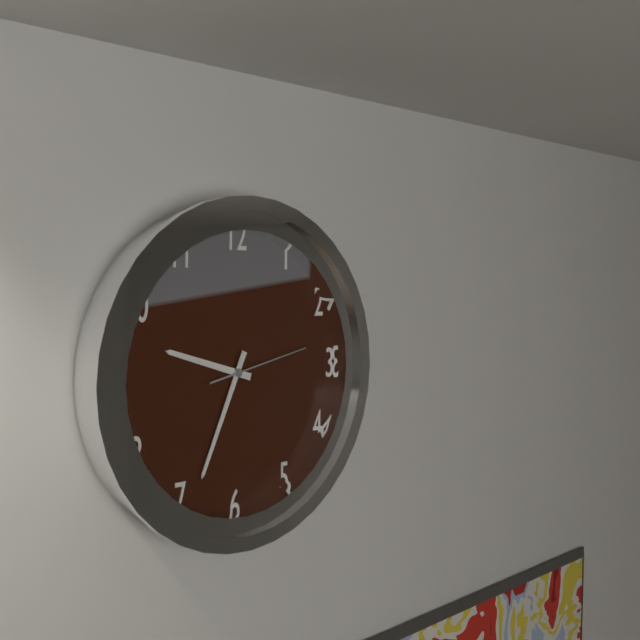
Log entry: 9:34:13
